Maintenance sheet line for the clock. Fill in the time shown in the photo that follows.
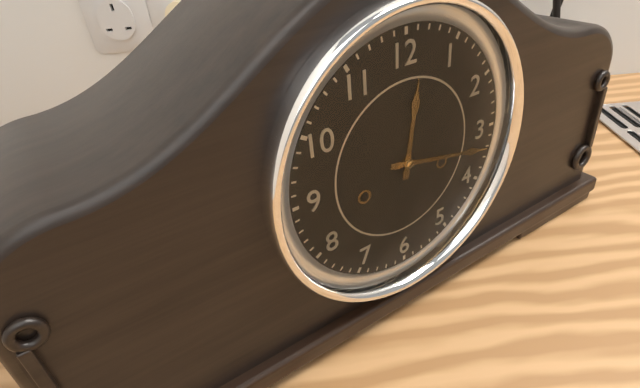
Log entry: 12:17
